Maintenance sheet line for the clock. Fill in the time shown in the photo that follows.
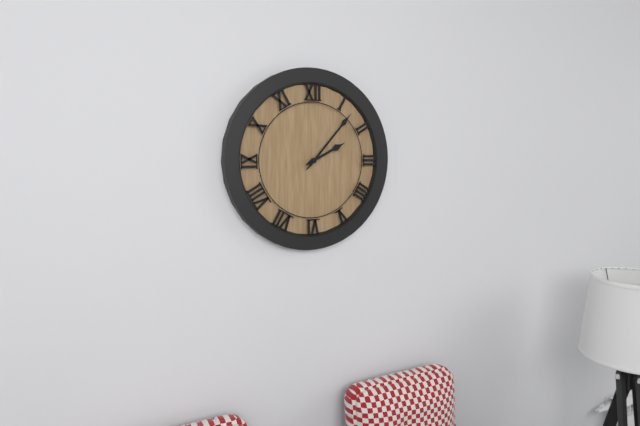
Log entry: 2:07
